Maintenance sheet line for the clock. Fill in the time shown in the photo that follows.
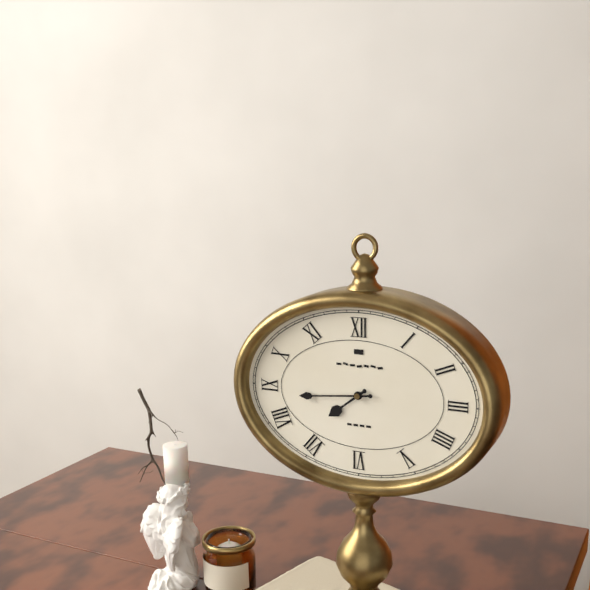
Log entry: 7:44
